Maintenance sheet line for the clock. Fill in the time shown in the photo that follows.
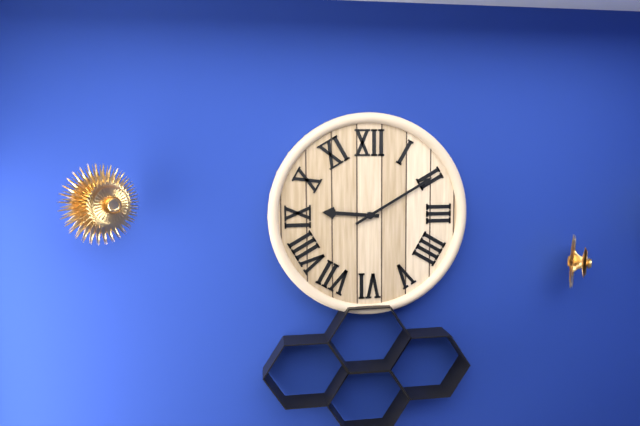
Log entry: 9:10
